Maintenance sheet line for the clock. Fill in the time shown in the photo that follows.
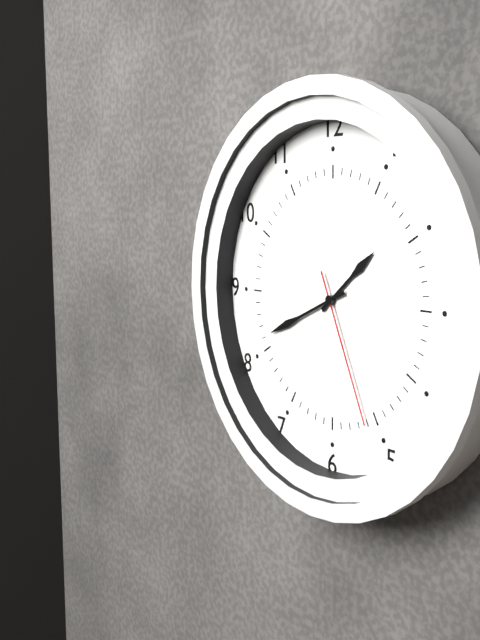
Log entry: 1:41:26
